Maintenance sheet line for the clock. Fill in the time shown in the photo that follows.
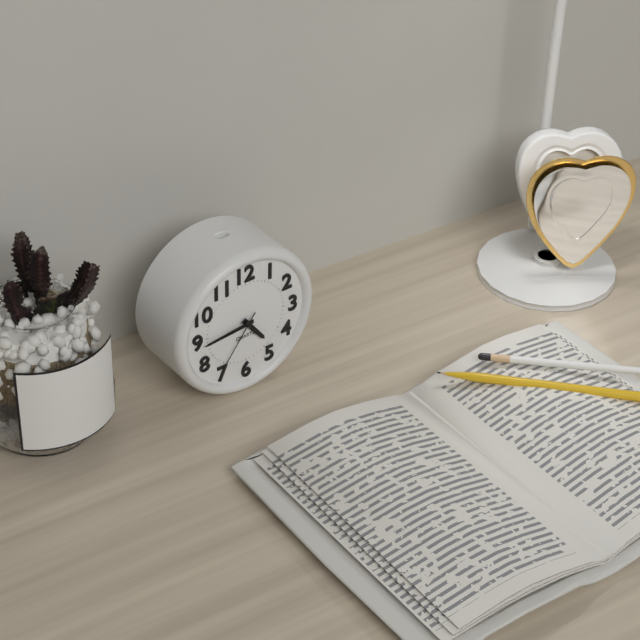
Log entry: 4:44:36
